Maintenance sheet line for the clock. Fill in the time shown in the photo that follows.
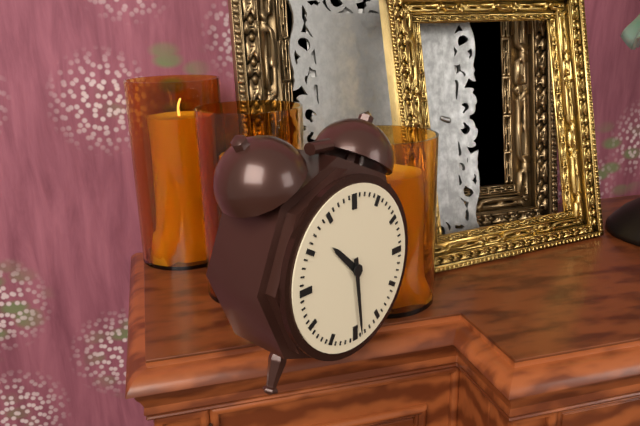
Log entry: 10:29
